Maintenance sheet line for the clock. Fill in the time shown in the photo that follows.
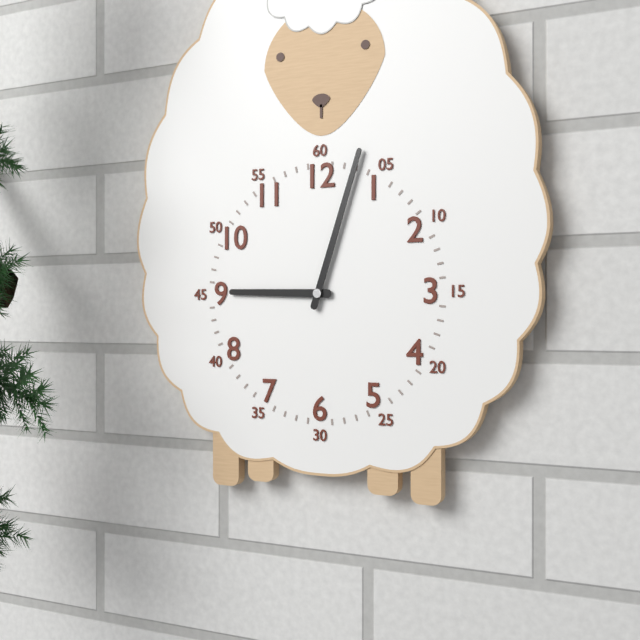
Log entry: 9:03
